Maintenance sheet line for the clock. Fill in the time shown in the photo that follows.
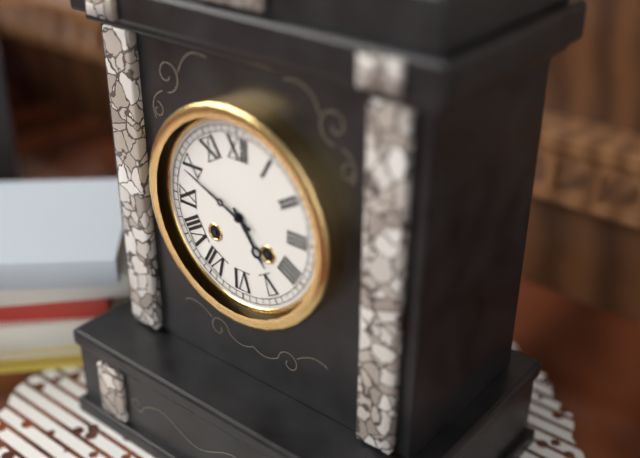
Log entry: 4:49
